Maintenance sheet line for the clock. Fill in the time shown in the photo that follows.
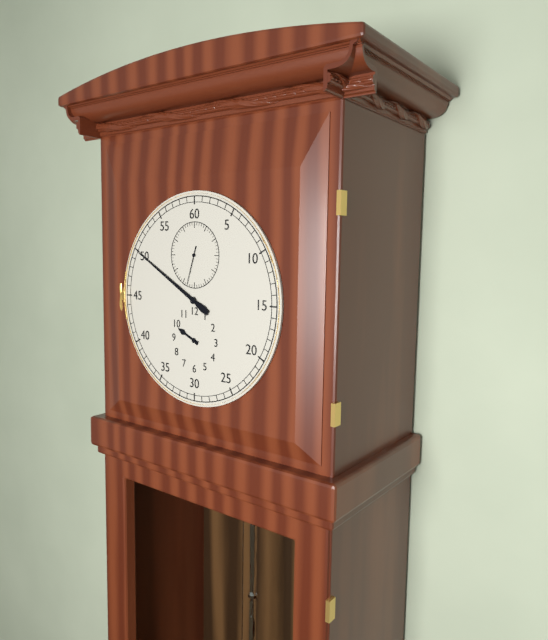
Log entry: 9:50
